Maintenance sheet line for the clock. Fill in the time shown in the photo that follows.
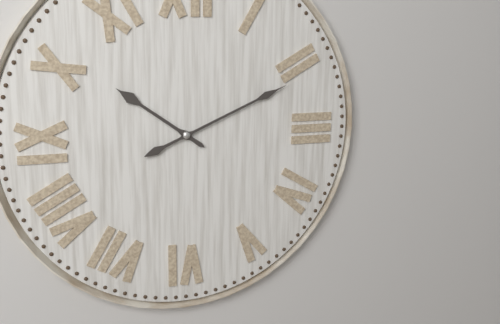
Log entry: 10:11
